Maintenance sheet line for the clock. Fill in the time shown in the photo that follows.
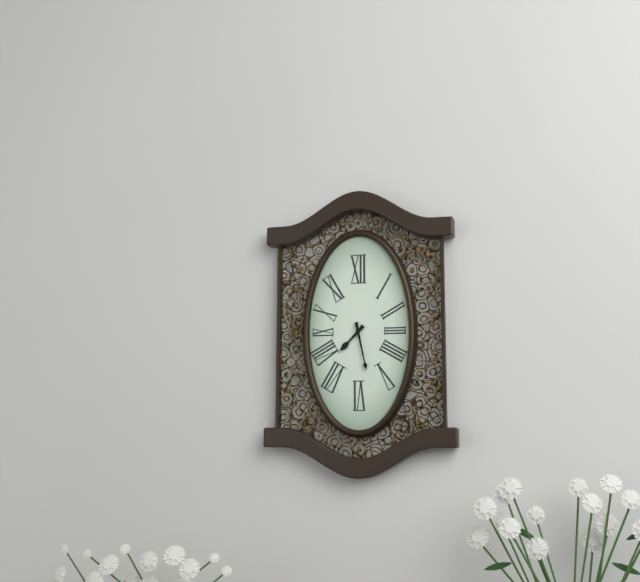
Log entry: 7:28
